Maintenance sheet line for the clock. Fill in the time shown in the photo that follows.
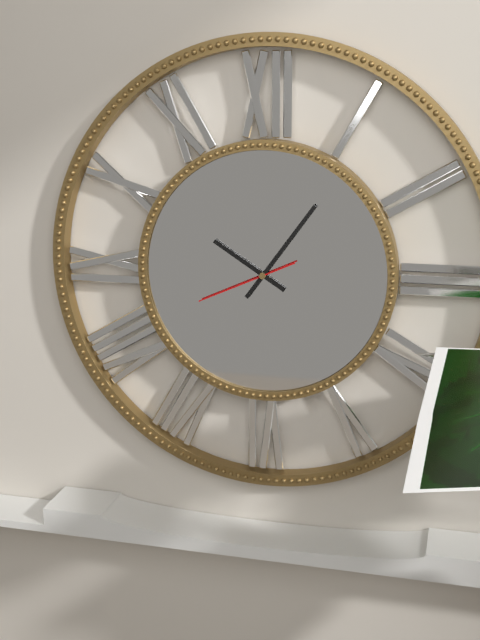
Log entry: 10:06:41
